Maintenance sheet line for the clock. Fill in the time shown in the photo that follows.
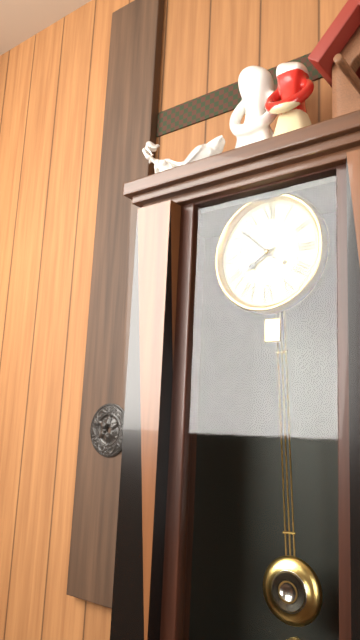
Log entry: 7:52
